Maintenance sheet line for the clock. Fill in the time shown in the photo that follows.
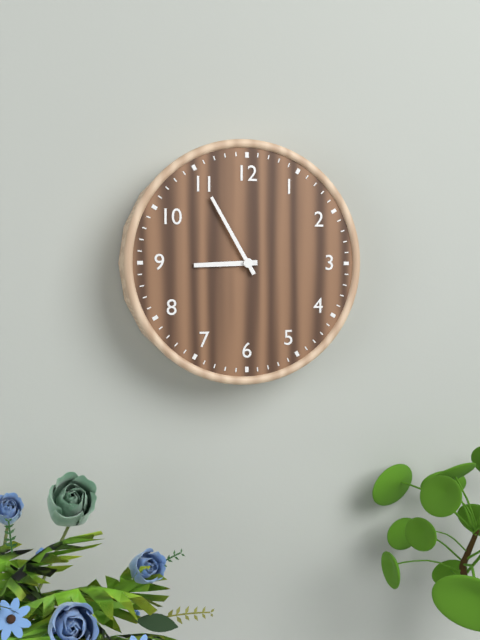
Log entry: 8:55
